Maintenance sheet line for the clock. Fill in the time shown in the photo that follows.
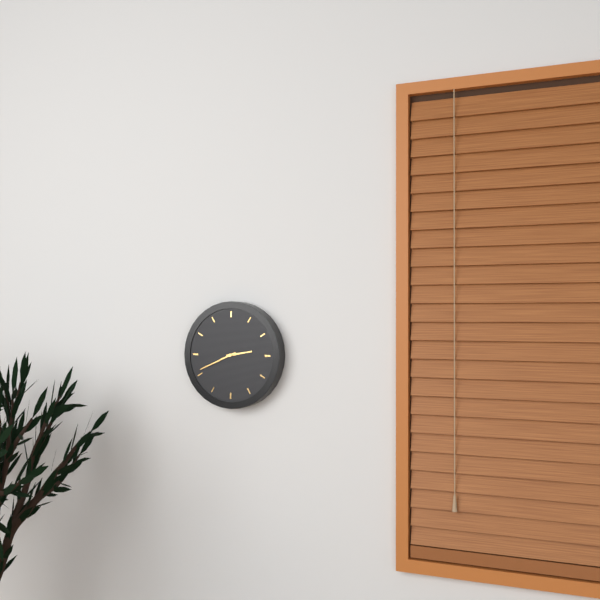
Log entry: 2:41
